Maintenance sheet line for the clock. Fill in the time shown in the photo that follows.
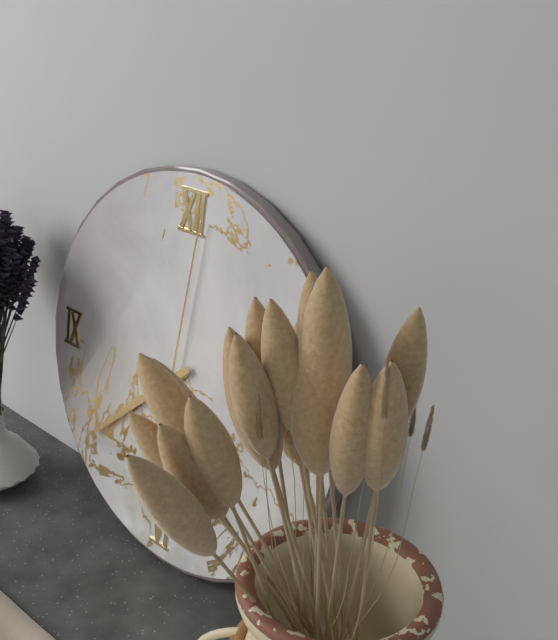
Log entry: 7:38:01
